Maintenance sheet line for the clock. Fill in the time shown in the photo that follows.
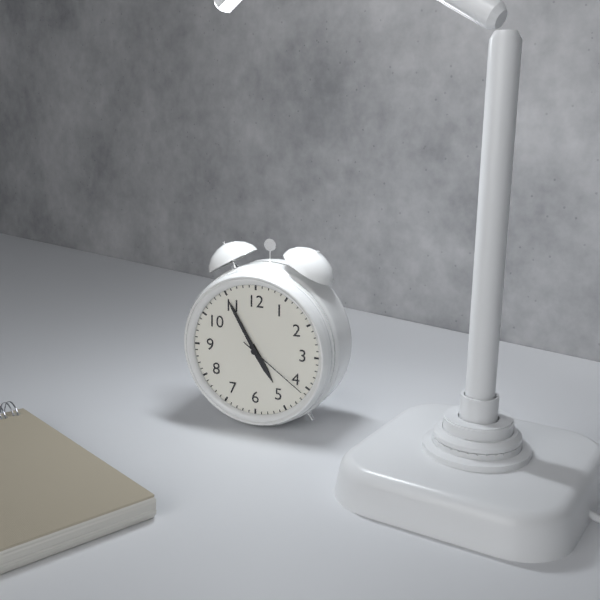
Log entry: 4:55:21
